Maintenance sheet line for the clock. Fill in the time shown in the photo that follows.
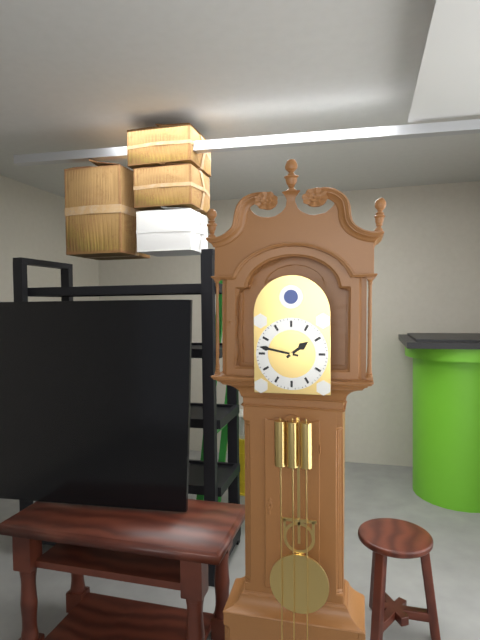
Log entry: 1:47
